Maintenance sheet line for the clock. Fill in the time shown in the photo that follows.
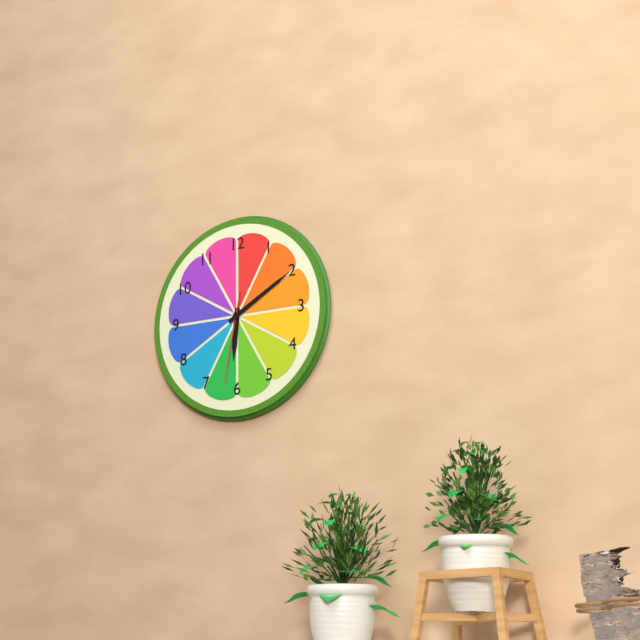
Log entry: 6:10:32
